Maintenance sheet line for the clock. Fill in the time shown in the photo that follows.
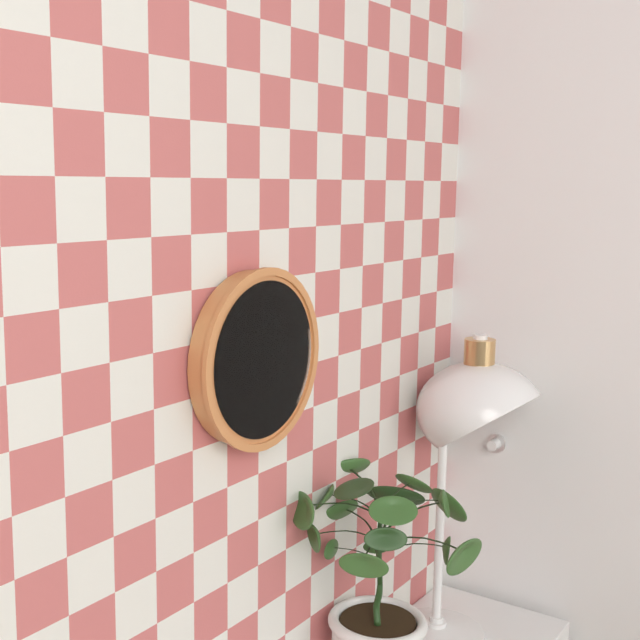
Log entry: 1:04
